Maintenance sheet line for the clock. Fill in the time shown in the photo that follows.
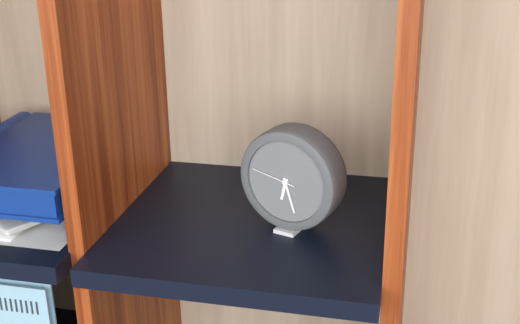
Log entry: 6:27
